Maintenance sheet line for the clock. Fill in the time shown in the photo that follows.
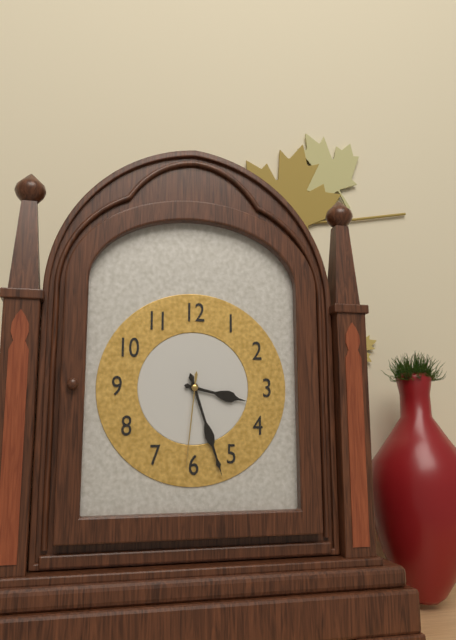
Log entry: 3:27:31
